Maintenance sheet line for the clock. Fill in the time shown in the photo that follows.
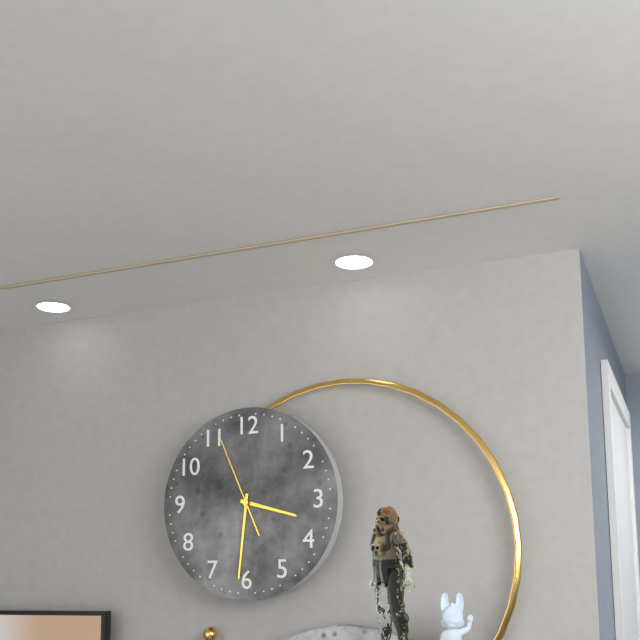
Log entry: 3:31:56
